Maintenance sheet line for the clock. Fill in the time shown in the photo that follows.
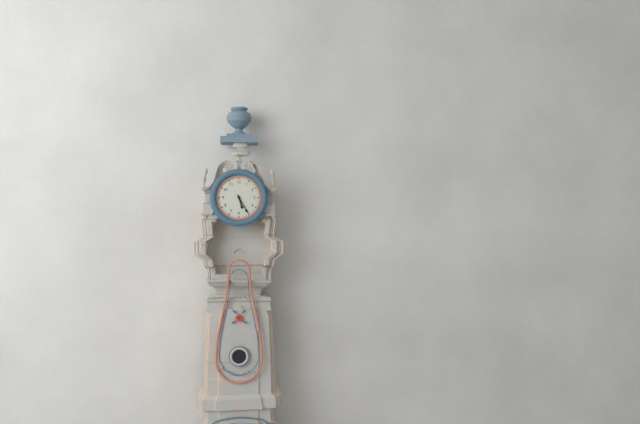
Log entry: 5:25
